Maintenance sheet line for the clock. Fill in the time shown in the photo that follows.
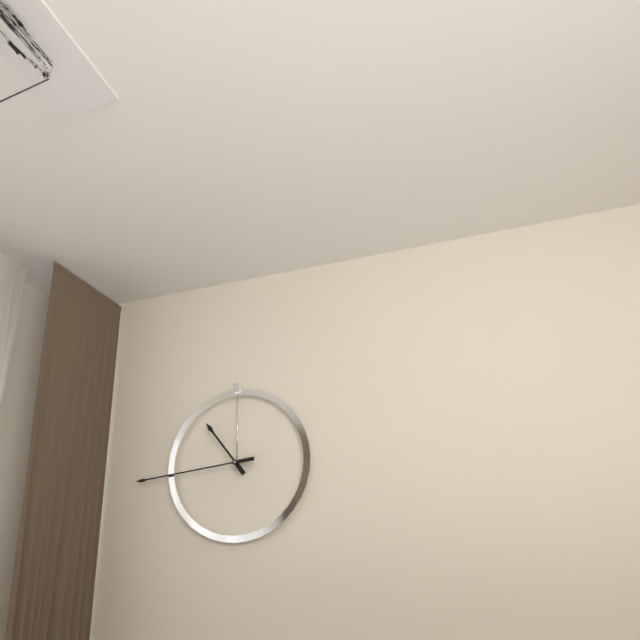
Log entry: 10:44
